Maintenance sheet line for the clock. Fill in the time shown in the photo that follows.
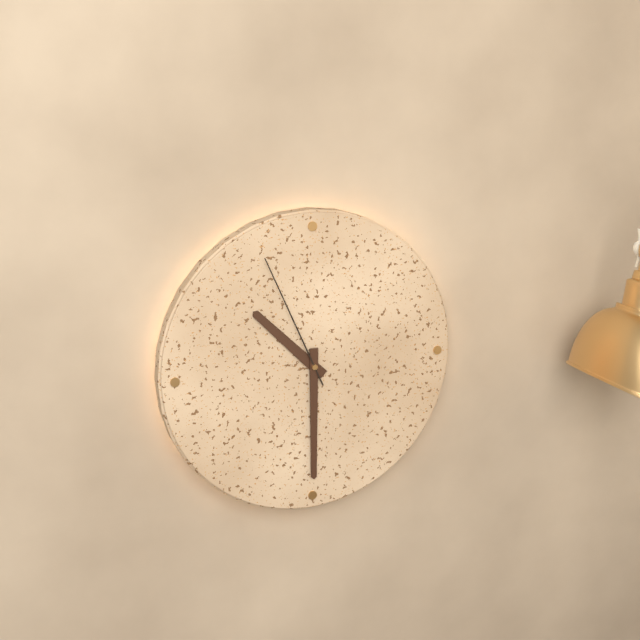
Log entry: 10:30:56
